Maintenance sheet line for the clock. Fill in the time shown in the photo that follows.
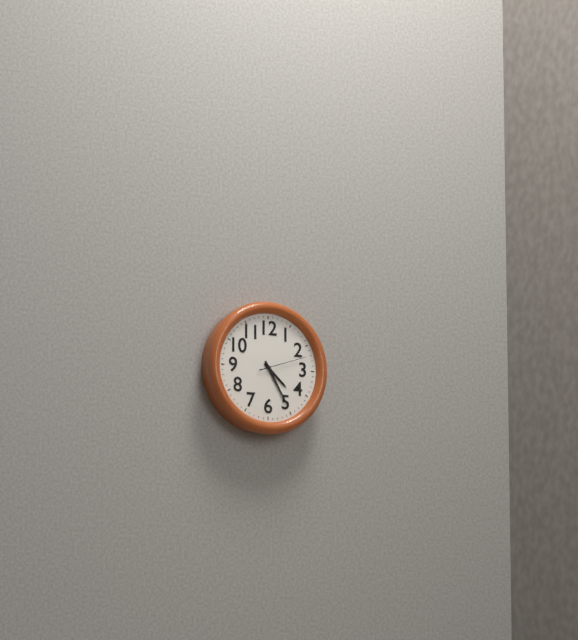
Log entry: 4:25:12
